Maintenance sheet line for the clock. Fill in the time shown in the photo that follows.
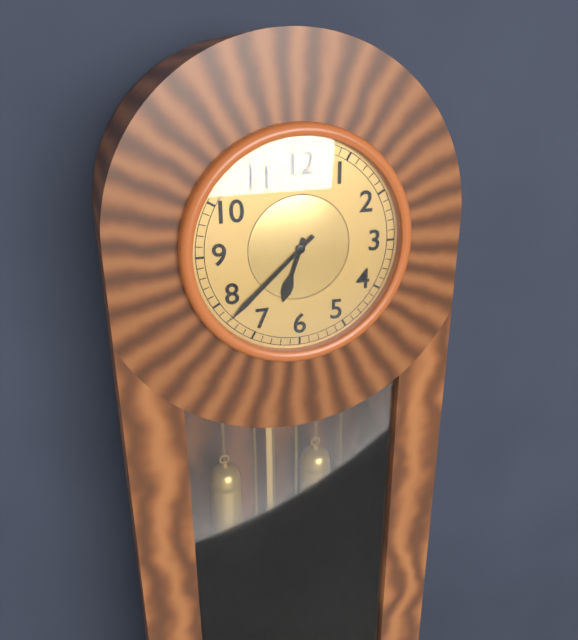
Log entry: 6:38
